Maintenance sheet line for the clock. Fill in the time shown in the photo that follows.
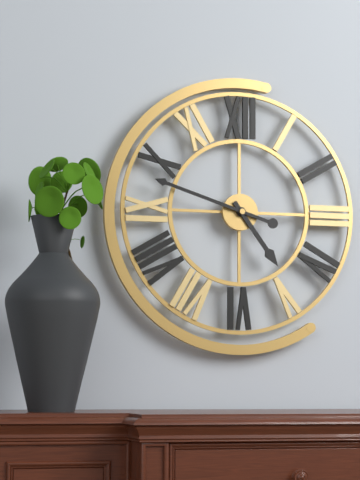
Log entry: 4:48
